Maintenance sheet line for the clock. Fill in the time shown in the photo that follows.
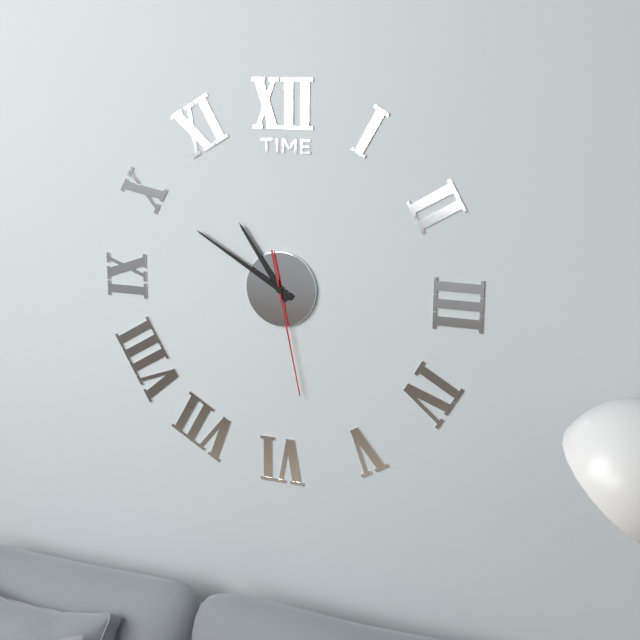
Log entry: 10:50:28
